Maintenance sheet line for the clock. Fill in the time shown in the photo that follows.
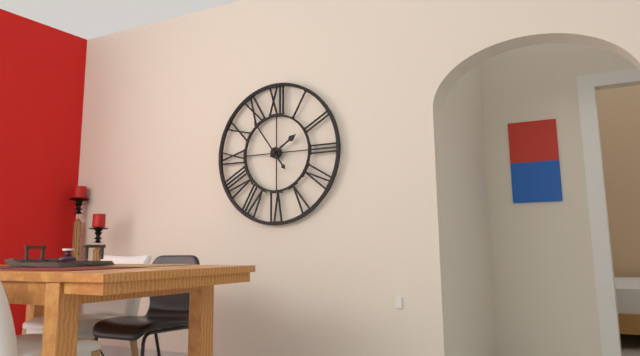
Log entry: 1:54
